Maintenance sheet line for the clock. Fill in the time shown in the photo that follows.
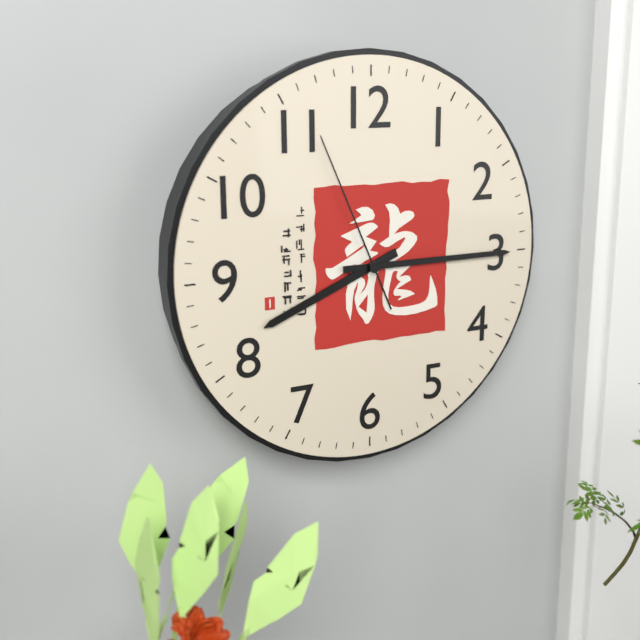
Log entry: 8:15:56
